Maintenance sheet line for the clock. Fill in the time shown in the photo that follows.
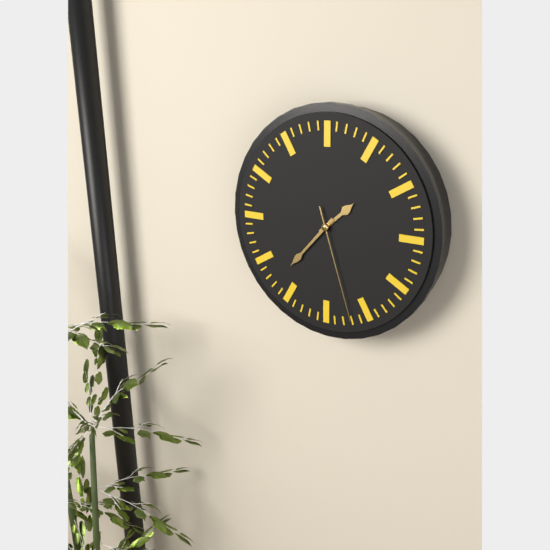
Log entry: 1:37:27
